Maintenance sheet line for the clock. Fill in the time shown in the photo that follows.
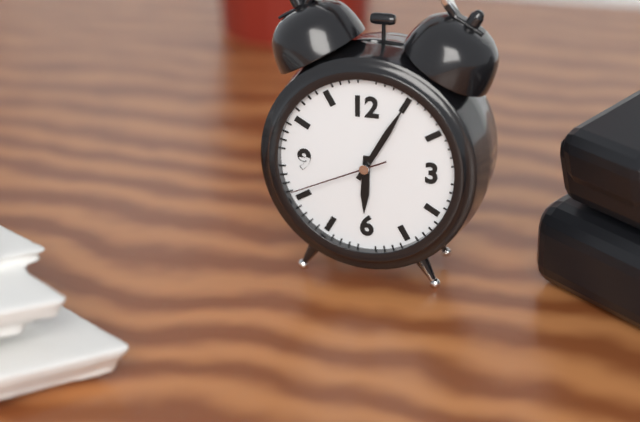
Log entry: 6:05:41
